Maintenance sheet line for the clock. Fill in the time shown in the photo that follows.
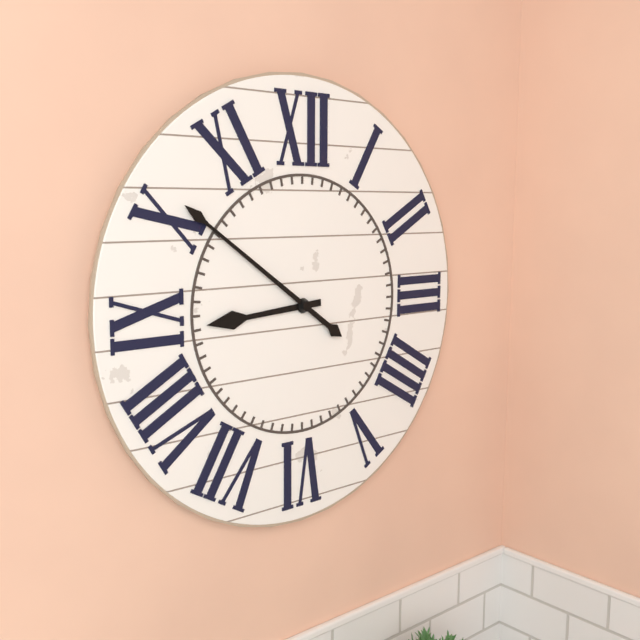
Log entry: 8:51
